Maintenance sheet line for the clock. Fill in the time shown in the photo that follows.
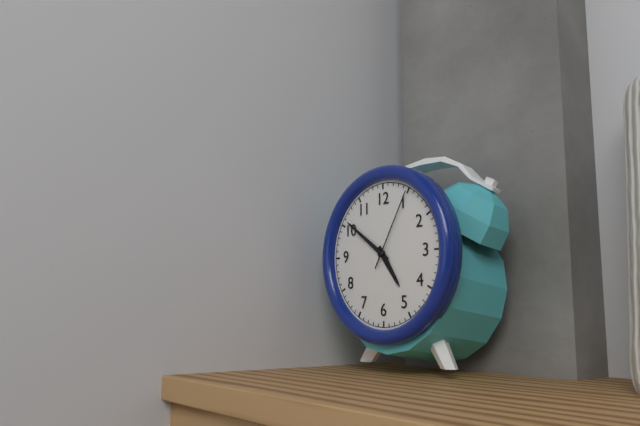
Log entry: 4:51:05
